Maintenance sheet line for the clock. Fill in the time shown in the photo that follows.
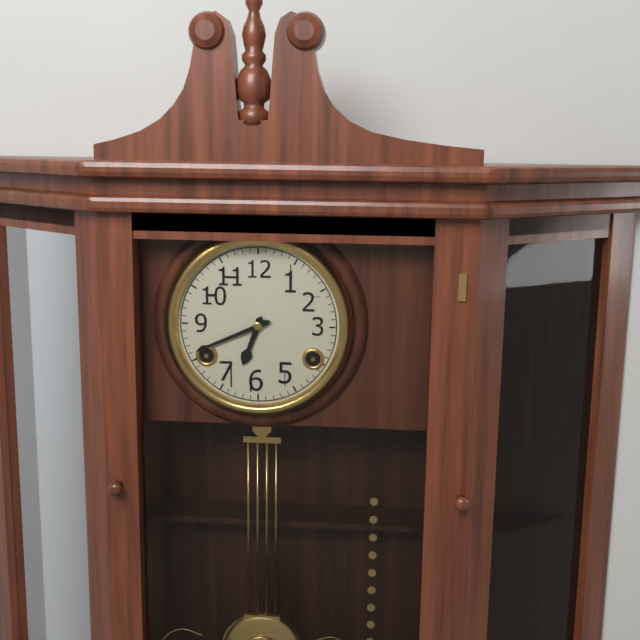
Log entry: 6:41
